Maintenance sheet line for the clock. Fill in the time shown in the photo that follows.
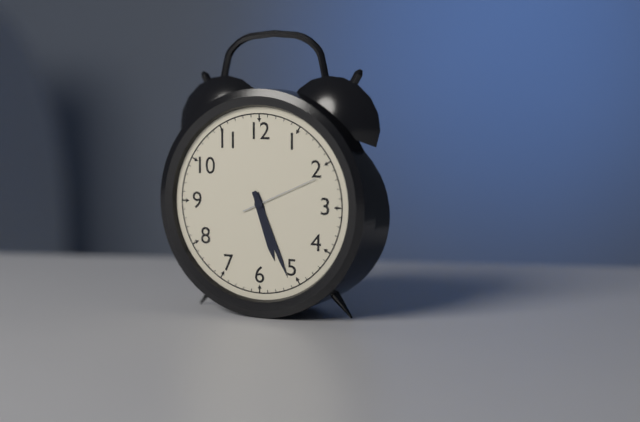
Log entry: 5:26:11
